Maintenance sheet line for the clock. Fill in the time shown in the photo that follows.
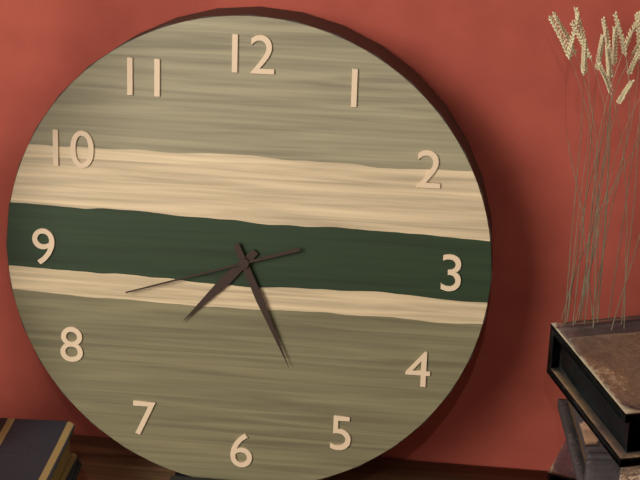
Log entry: 7:26:42
